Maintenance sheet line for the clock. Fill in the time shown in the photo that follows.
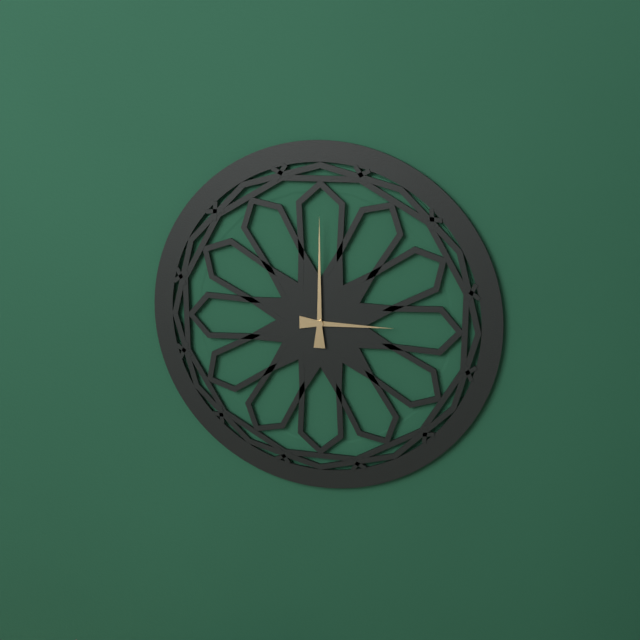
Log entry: 3:00
